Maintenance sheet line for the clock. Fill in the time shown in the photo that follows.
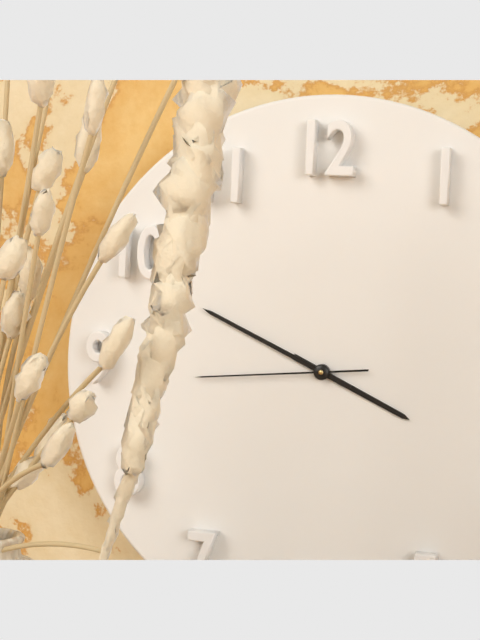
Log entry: 3:49:44
